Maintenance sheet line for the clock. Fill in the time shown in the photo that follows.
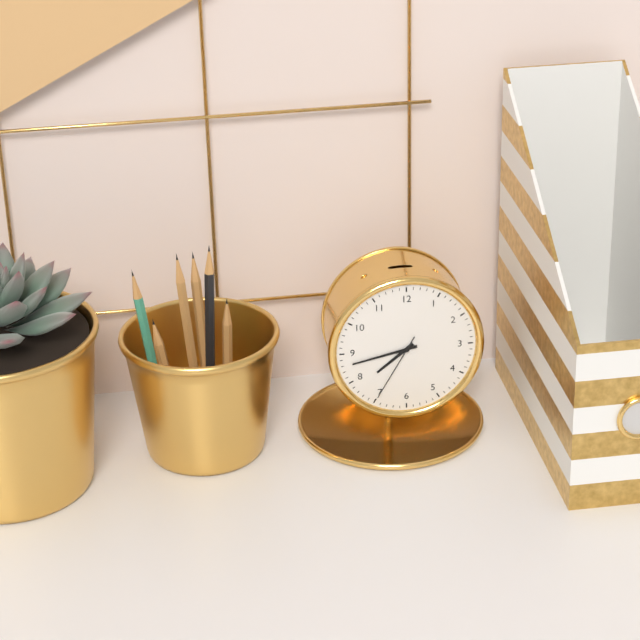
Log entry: 7:43:35
